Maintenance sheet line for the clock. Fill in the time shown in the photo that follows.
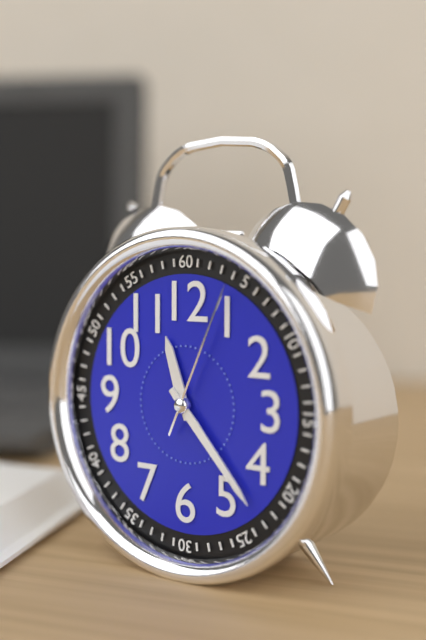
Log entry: 11:23:04
